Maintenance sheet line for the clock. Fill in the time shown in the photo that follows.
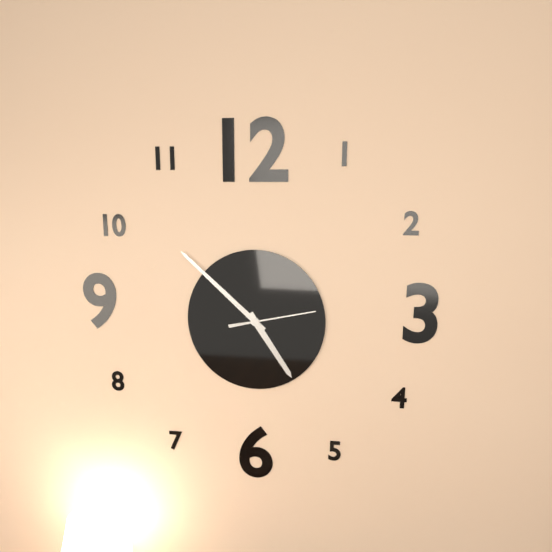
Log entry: 4:52:13
